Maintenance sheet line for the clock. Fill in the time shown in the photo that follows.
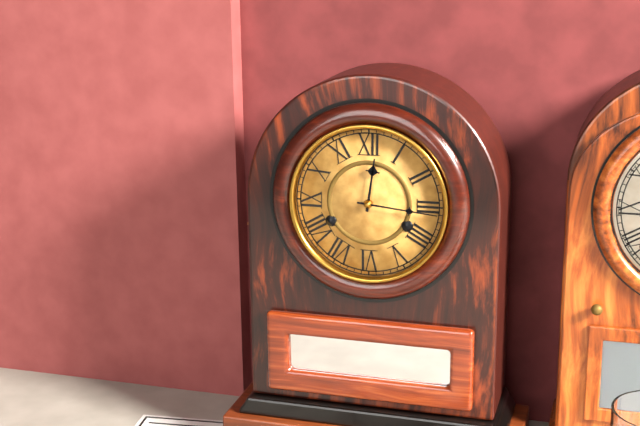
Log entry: 12:16
